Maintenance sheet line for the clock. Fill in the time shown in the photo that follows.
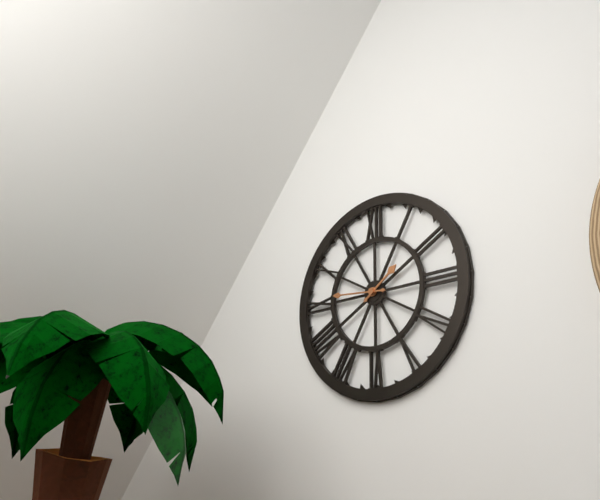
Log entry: 1:46
